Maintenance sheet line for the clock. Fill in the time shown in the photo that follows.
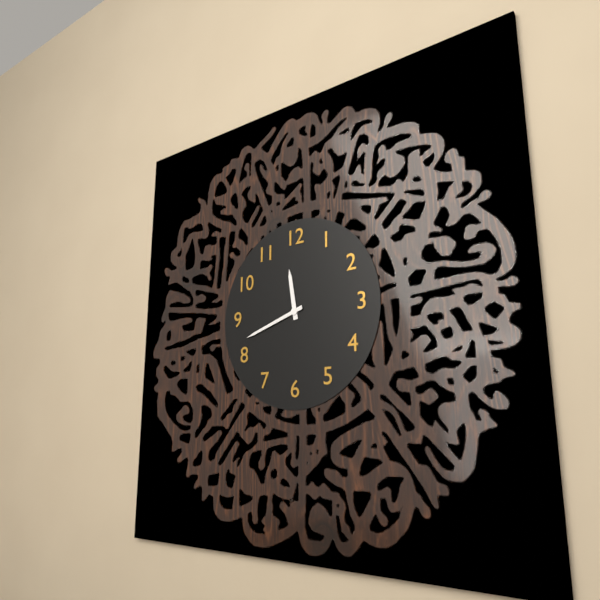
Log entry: 11:42
